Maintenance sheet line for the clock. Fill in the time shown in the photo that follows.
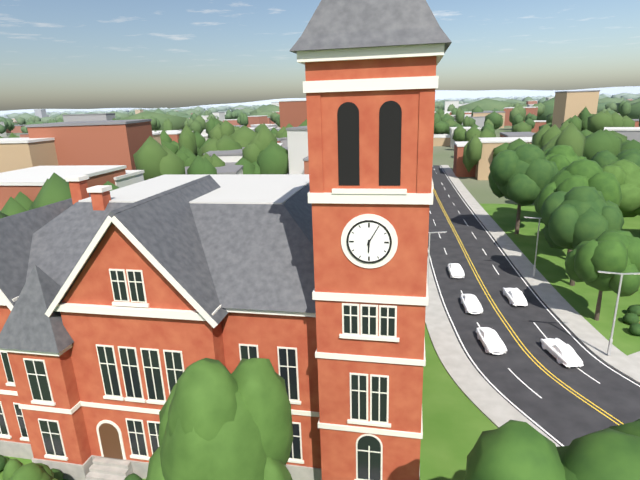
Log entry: 6:05
